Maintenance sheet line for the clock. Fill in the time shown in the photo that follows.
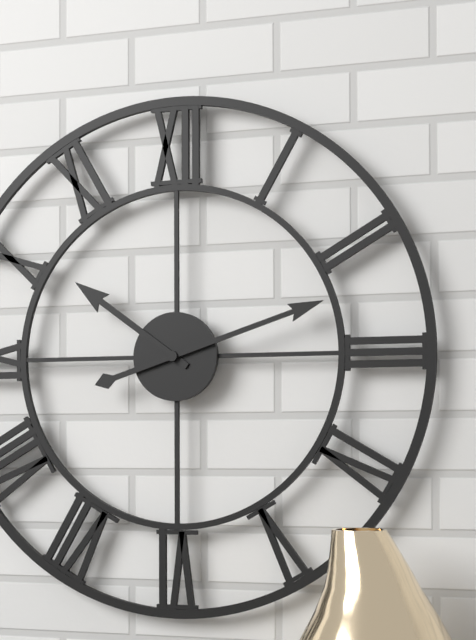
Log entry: 10:12
